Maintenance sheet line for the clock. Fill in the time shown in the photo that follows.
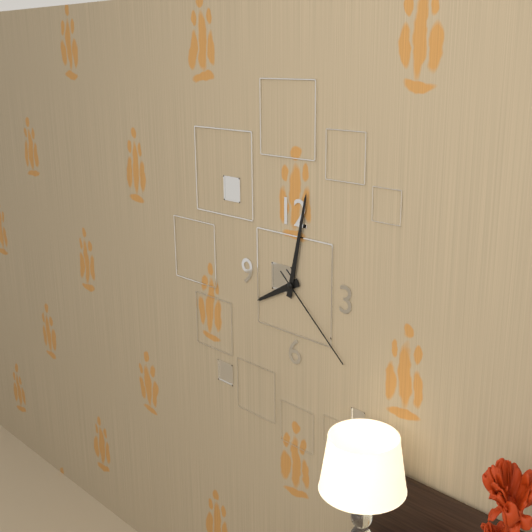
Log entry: 8:02:22
